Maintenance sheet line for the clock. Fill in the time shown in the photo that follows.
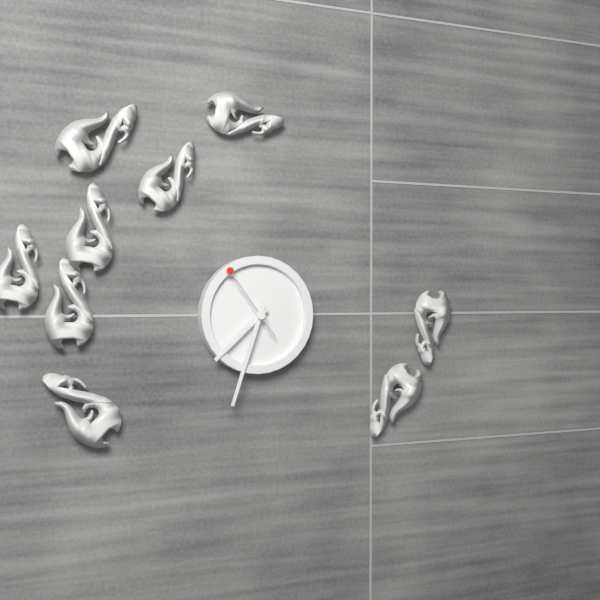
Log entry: 7:33:54
